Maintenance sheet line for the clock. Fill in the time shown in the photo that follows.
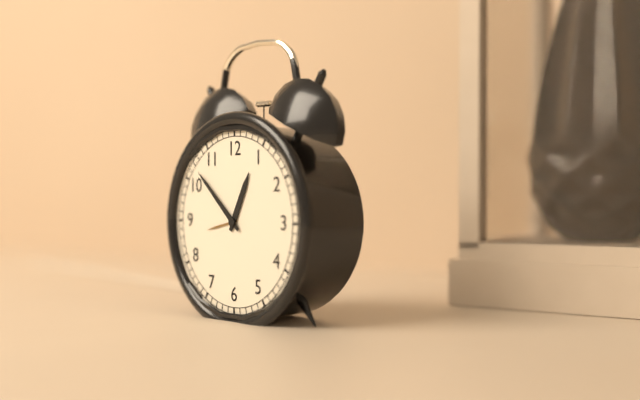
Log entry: 12:52
